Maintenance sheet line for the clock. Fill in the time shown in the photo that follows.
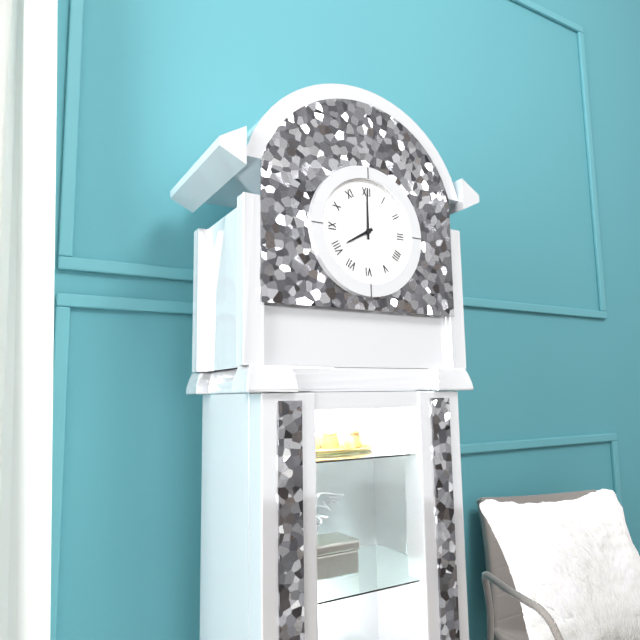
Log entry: 8:00
